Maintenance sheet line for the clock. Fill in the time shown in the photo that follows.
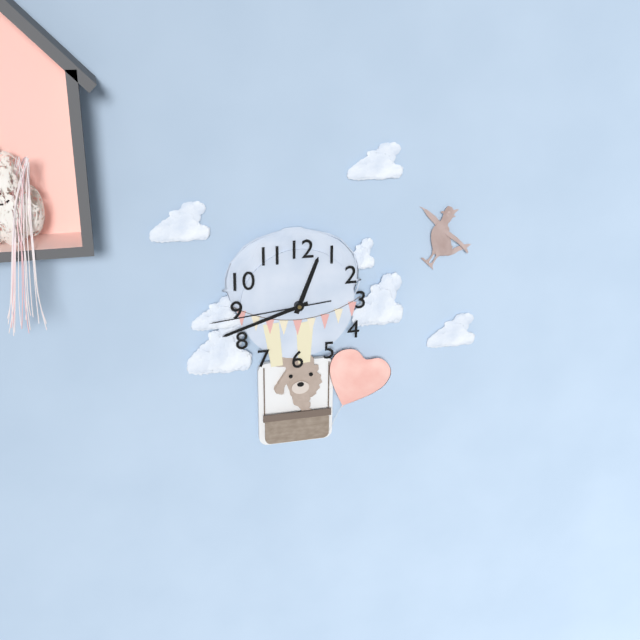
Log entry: 12:42:44
